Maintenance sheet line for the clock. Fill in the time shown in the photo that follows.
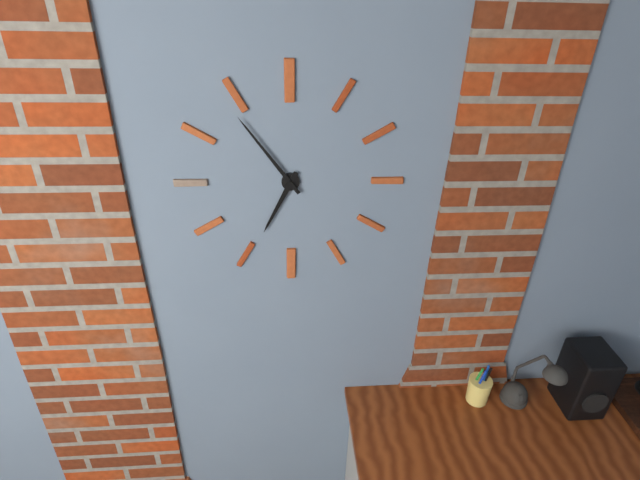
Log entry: 6:54
